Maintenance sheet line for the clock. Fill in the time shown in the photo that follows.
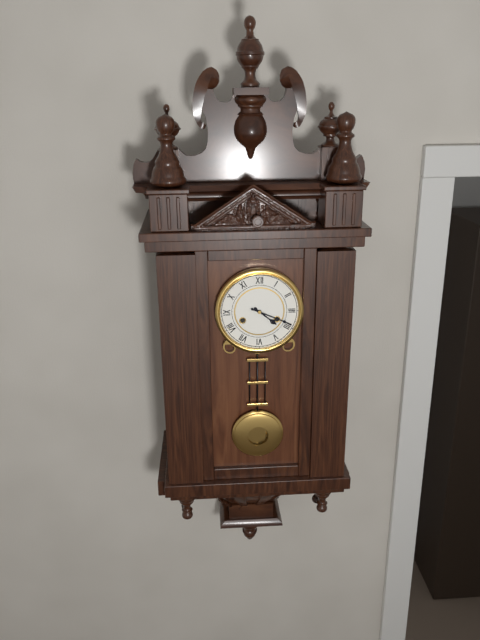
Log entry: 4:19
